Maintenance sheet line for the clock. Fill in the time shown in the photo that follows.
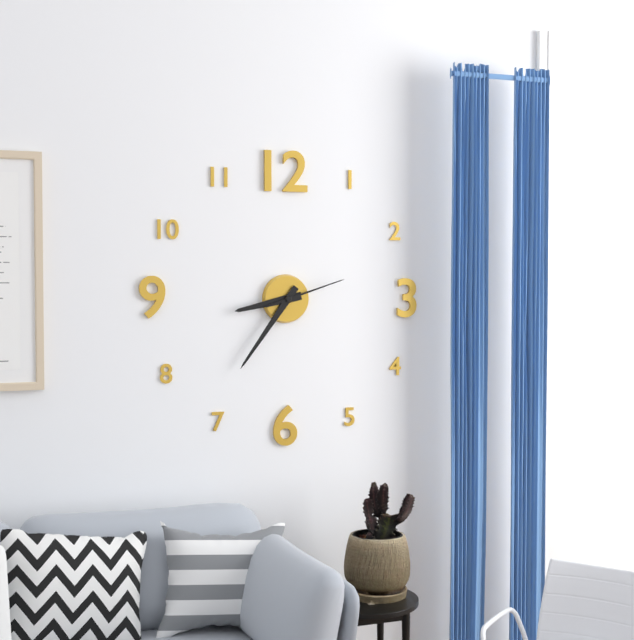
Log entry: 8:36:12
